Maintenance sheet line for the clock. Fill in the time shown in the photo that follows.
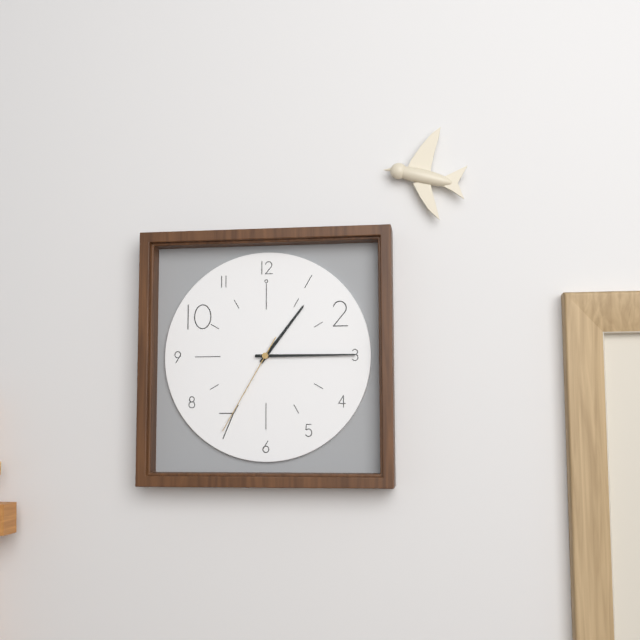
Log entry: 1:15:35
